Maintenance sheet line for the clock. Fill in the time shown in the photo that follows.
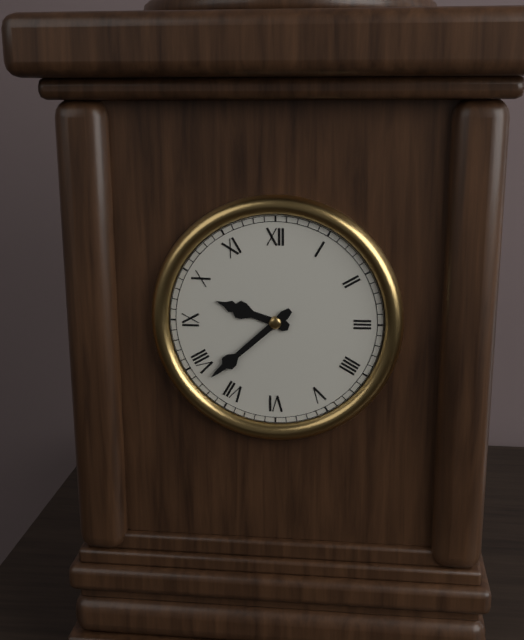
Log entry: 9:38
